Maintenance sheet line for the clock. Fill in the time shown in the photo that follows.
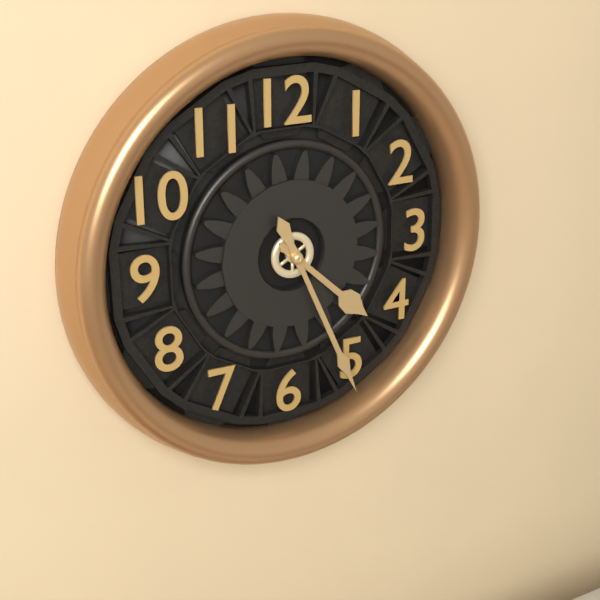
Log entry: 4:26
